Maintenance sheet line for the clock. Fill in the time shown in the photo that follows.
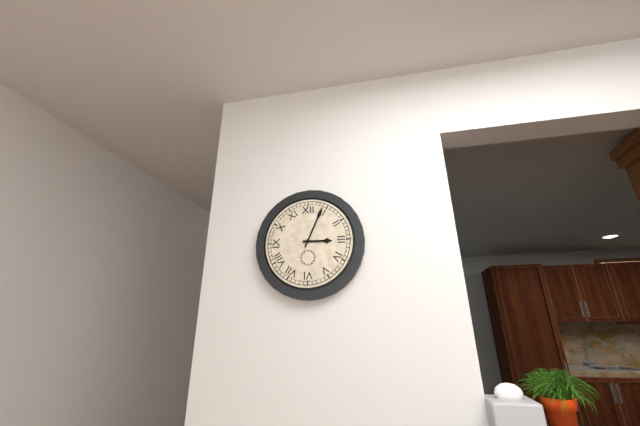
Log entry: 3:04
